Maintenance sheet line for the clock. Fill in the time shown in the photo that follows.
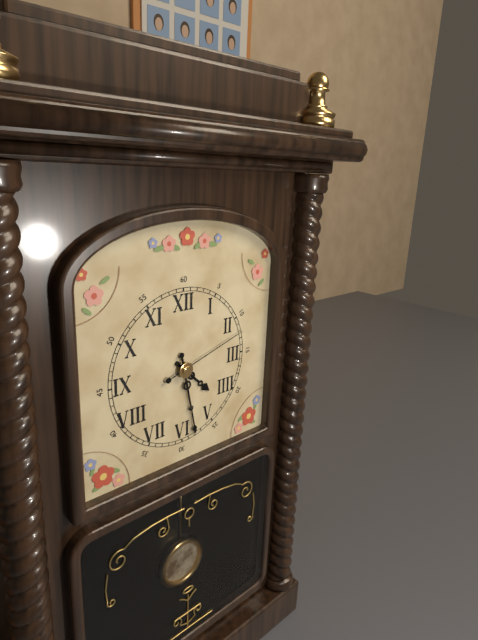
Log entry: 4:28:12
